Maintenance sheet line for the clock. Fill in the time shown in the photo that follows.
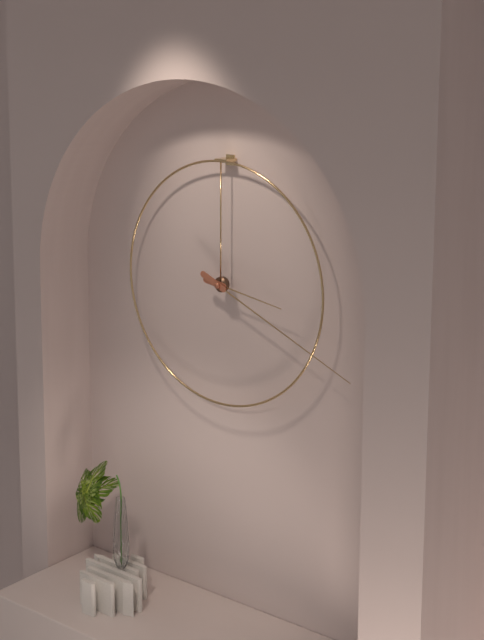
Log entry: 3:19
